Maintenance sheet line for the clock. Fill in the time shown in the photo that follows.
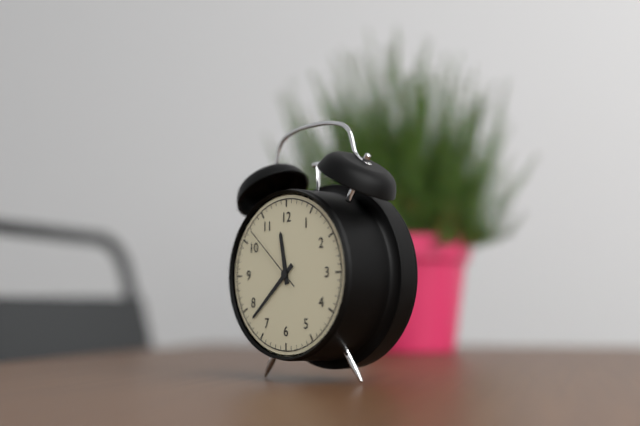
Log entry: 11:38:52
